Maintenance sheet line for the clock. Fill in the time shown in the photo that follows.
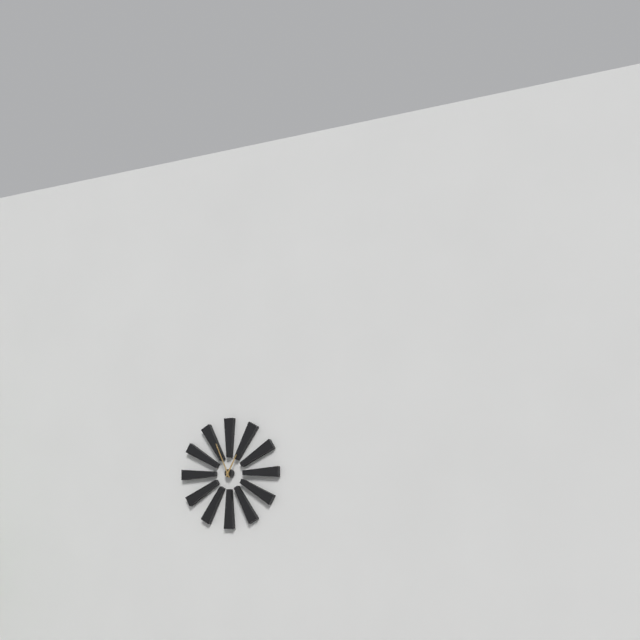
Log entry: 12:56
